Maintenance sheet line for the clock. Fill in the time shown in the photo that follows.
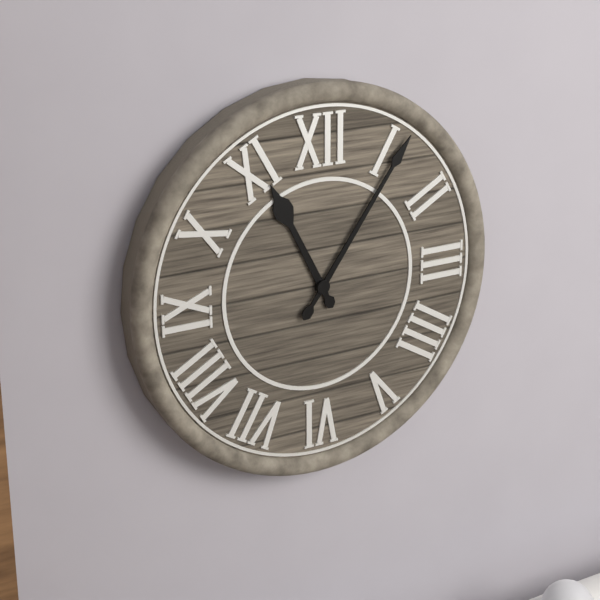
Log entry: 11:06
